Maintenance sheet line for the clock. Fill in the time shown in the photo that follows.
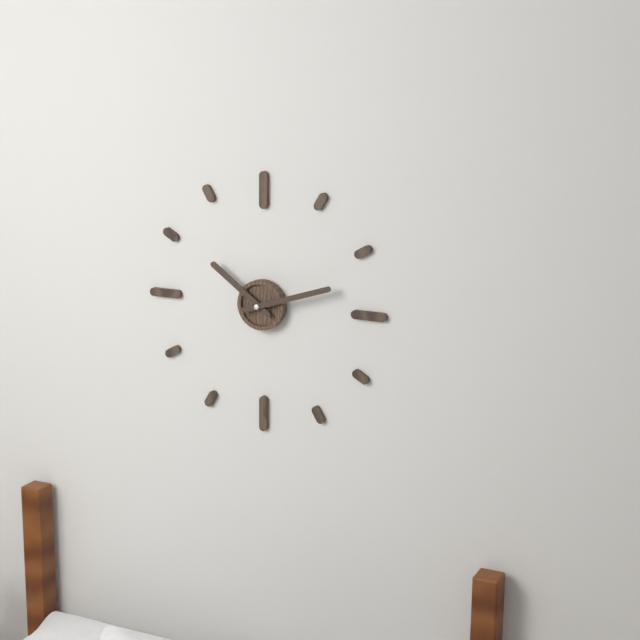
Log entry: 10:12
